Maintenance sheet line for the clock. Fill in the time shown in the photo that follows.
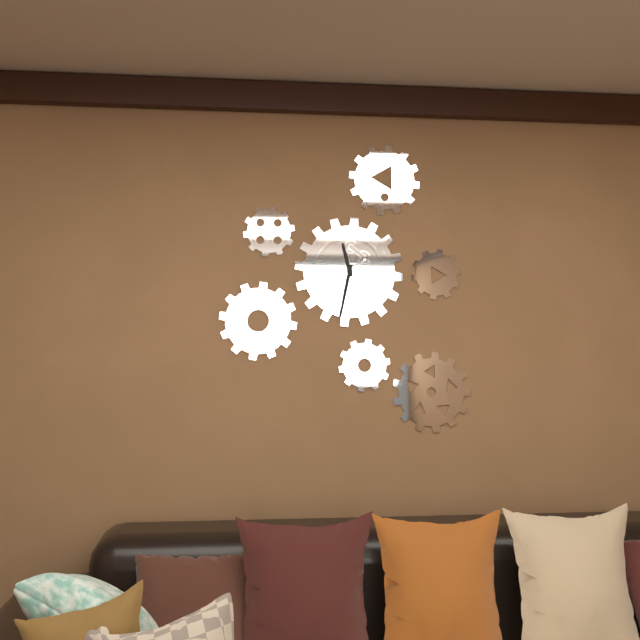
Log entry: 11:32
